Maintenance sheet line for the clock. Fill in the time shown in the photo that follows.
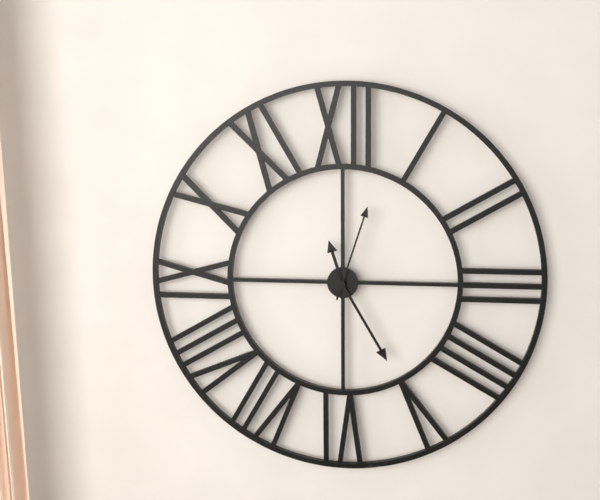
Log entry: 11:25:03
